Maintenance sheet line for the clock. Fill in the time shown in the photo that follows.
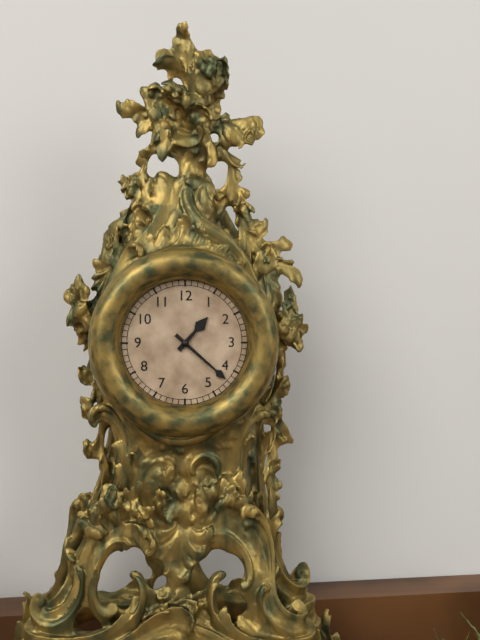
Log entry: 1:22
